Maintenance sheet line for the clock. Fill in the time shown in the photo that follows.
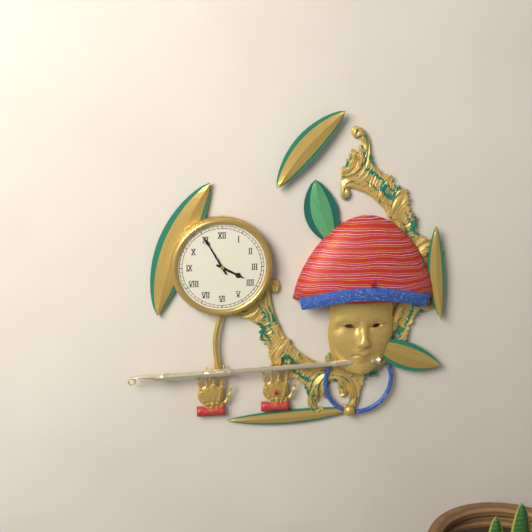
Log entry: 3:55
